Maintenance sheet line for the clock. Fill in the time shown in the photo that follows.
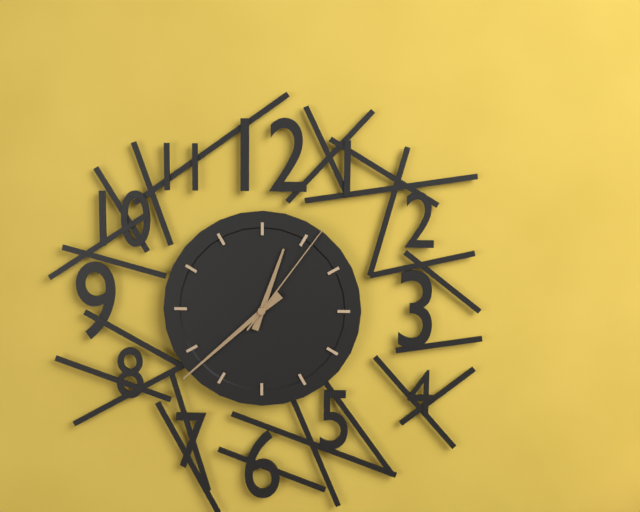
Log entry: 12:38:06
